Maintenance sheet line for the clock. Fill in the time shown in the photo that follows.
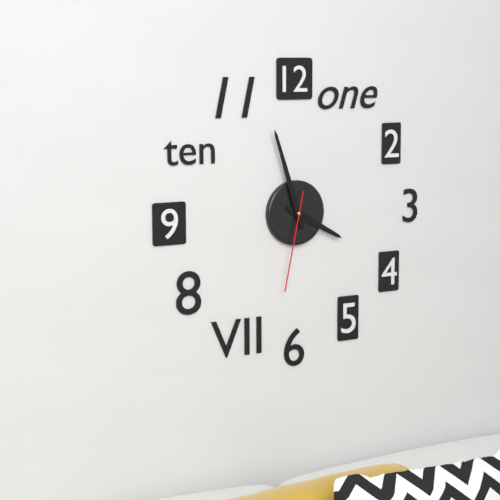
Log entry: 3:57:32
